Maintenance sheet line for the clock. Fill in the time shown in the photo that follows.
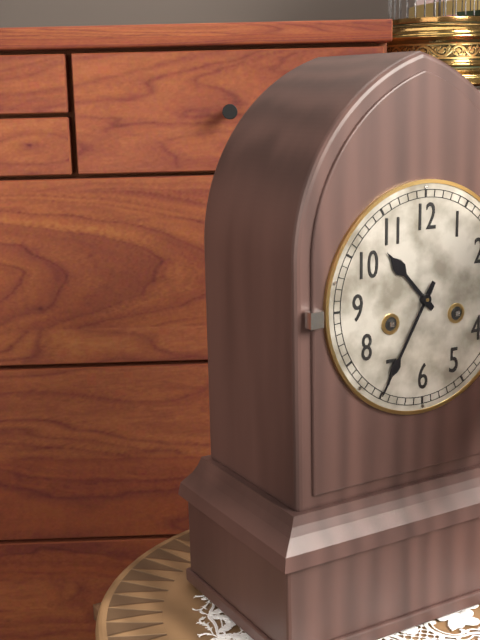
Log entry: 10:35
